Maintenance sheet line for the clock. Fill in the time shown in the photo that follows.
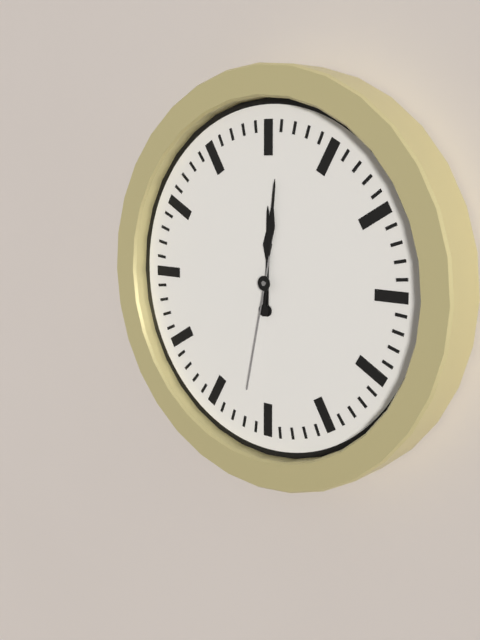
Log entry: 12:01:32
